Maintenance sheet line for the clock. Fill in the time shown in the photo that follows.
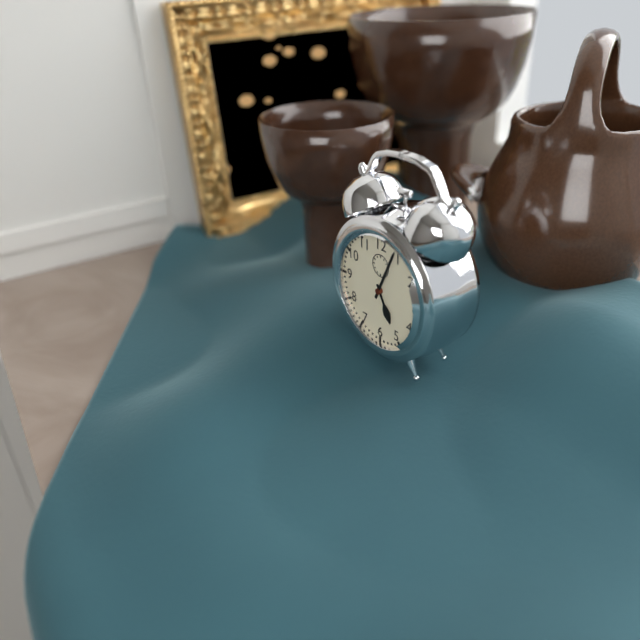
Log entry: 5:04
